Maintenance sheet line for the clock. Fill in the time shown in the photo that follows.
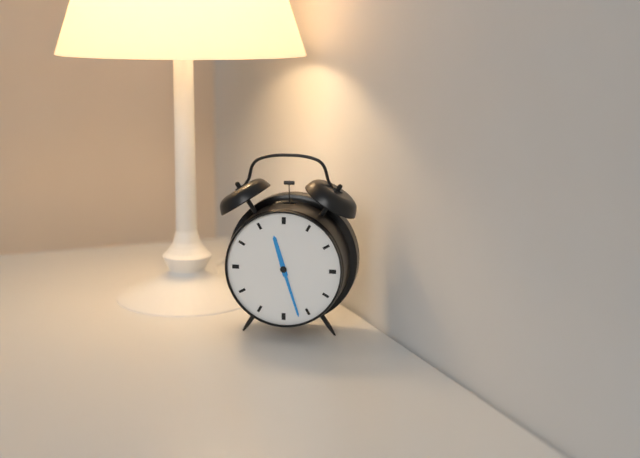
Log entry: 11:27
